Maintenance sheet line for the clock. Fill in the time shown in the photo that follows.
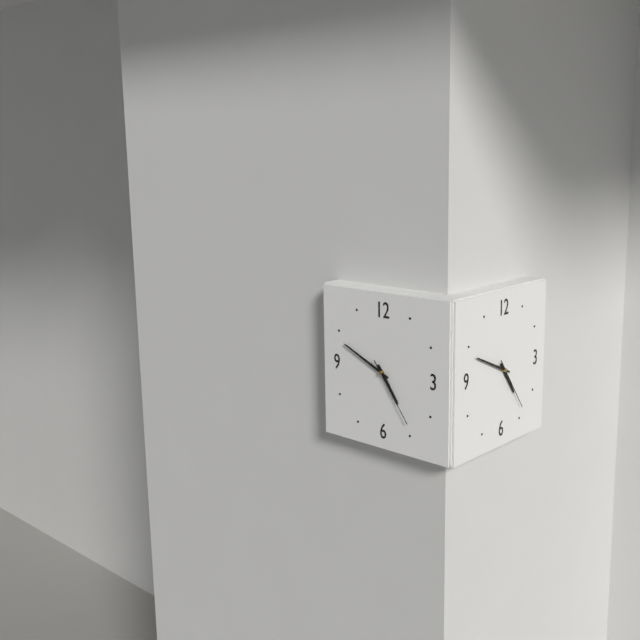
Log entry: 4:49:24
